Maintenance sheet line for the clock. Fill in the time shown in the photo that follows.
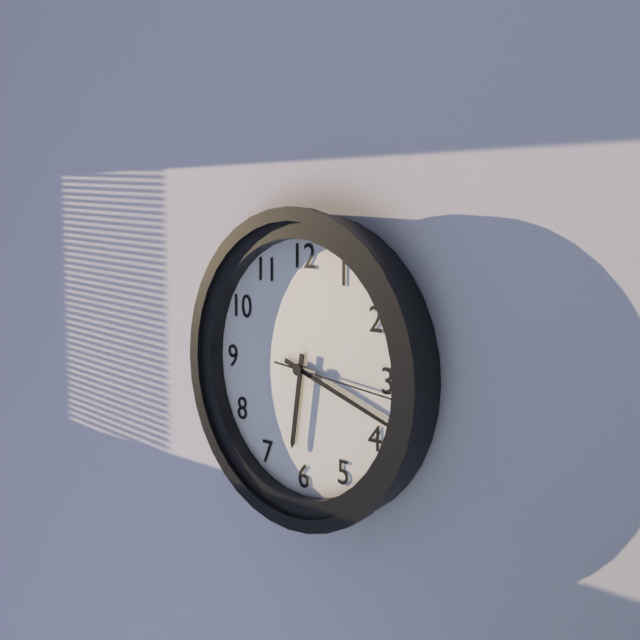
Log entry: 6:18:16
